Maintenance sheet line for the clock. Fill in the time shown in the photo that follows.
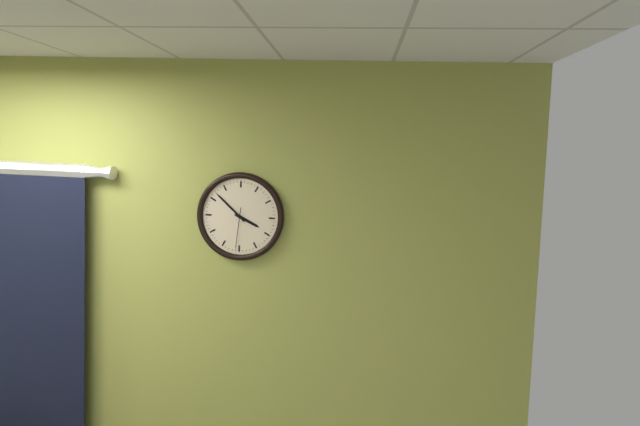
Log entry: 3:52
